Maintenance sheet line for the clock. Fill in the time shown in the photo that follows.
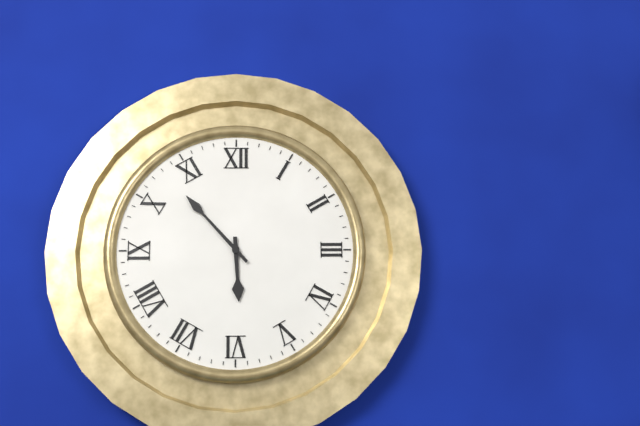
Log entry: 5:53
